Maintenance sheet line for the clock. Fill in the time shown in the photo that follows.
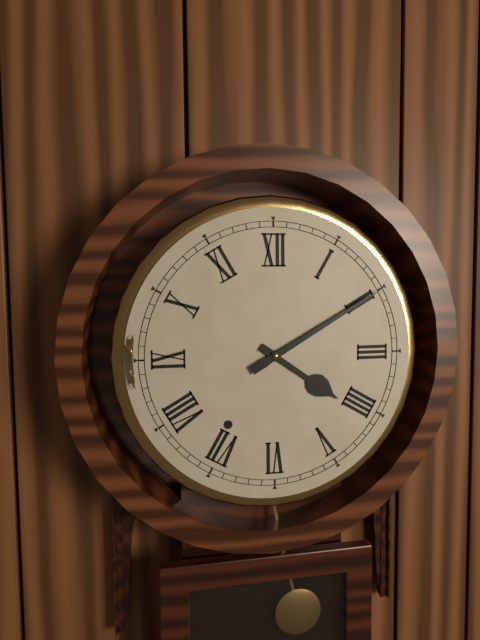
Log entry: 4:10
